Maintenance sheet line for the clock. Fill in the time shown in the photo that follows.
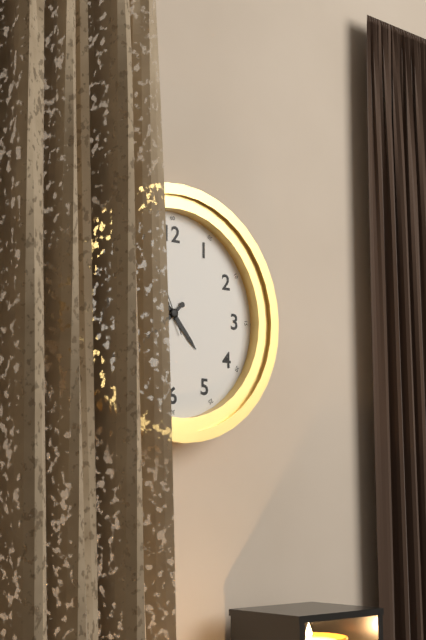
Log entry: 4:38:56
